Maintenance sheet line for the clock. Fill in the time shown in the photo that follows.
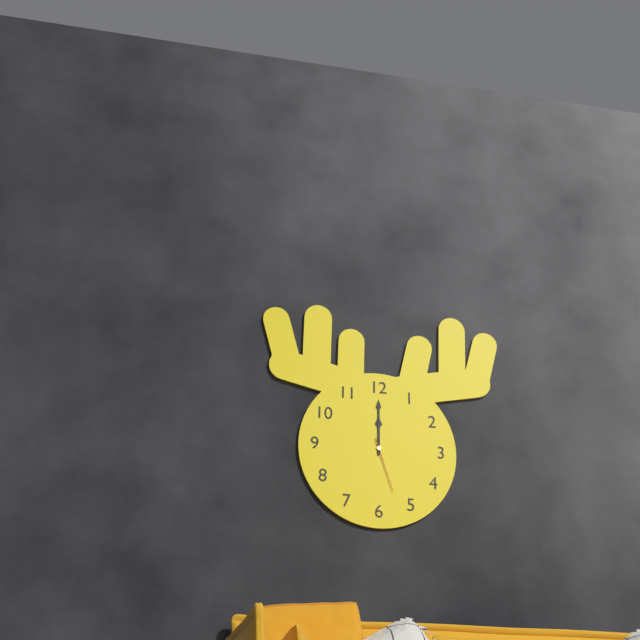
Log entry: 12:00:27
